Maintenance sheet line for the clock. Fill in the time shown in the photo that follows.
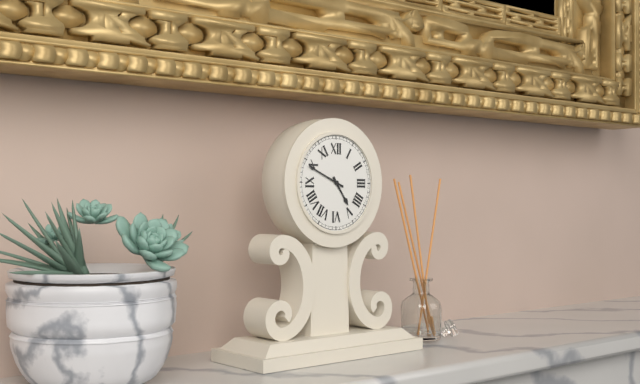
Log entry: 4:49
